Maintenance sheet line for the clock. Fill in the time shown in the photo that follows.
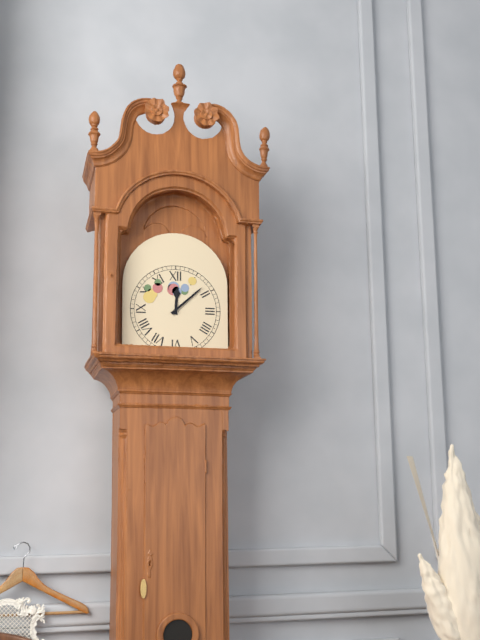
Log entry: 12:08
